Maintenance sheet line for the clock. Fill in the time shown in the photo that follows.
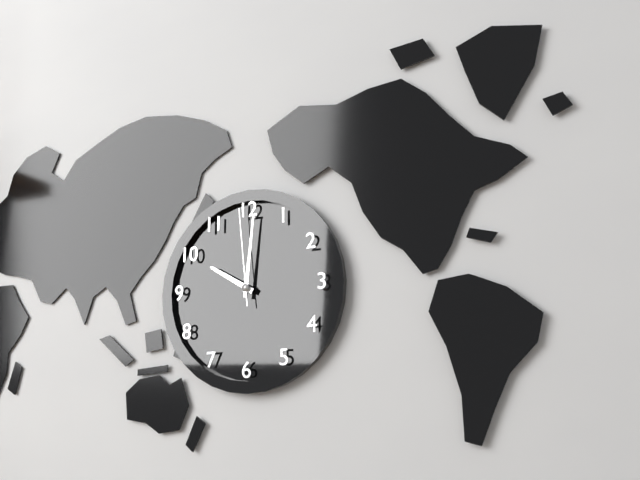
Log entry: 10:01:59
